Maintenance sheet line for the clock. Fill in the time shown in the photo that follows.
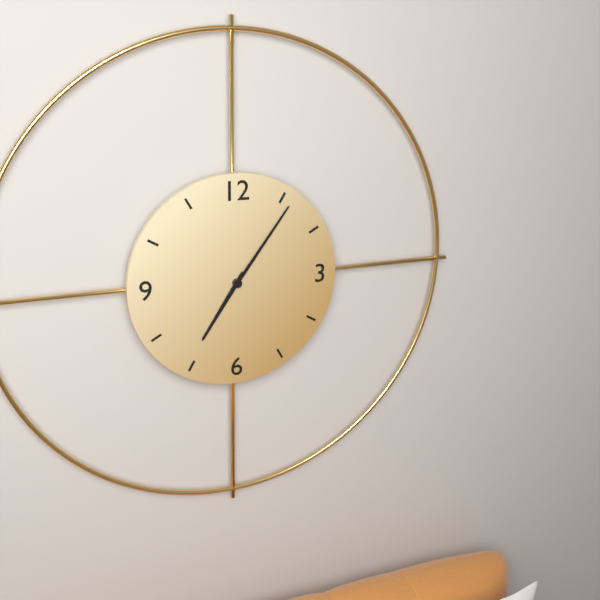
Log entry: 7:06
